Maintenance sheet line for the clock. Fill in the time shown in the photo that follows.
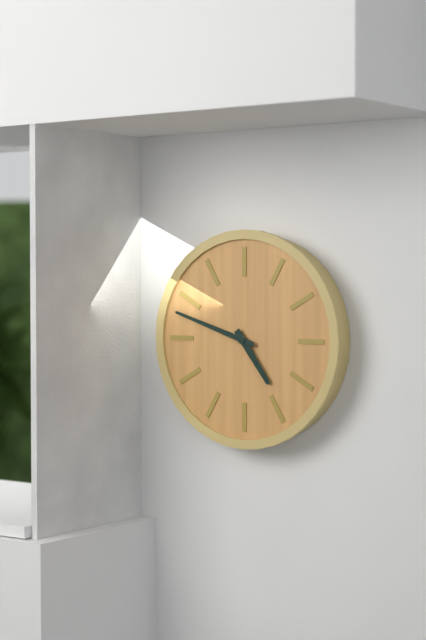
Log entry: 4:48
